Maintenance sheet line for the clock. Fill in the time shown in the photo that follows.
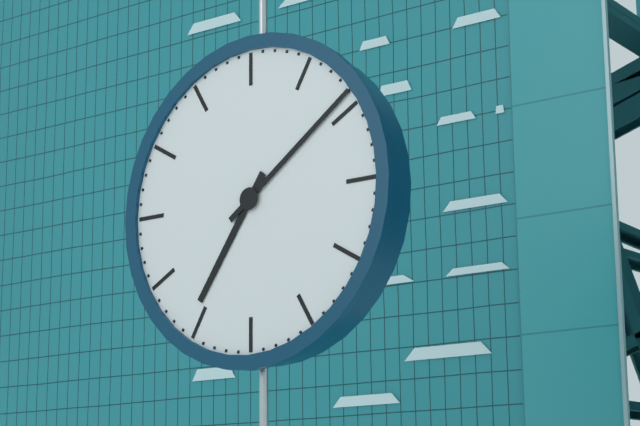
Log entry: 7:09
